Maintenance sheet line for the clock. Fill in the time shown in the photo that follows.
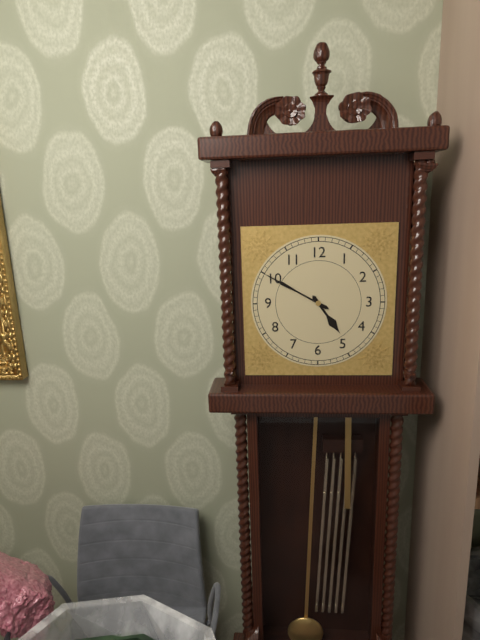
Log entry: 4:50
